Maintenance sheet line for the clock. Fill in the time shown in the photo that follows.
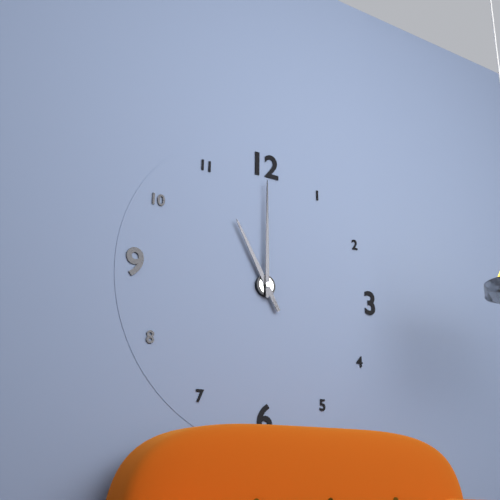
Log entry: 11:00
